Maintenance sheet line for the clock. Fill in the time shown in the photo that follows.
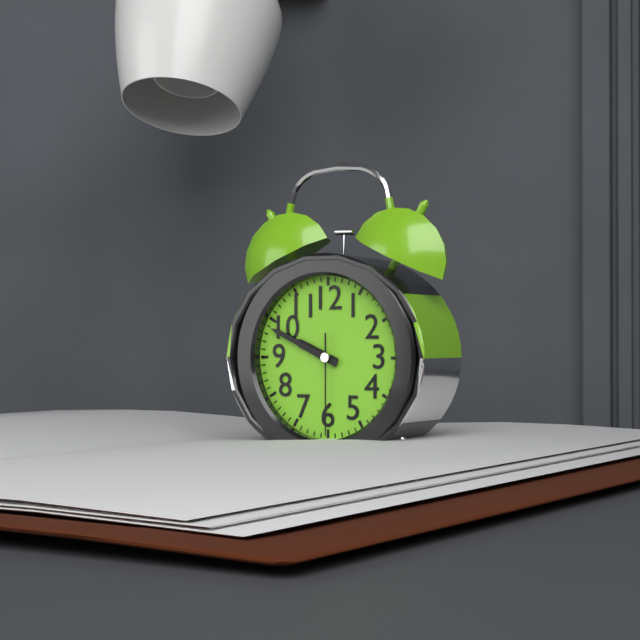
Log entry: 9:49:30
